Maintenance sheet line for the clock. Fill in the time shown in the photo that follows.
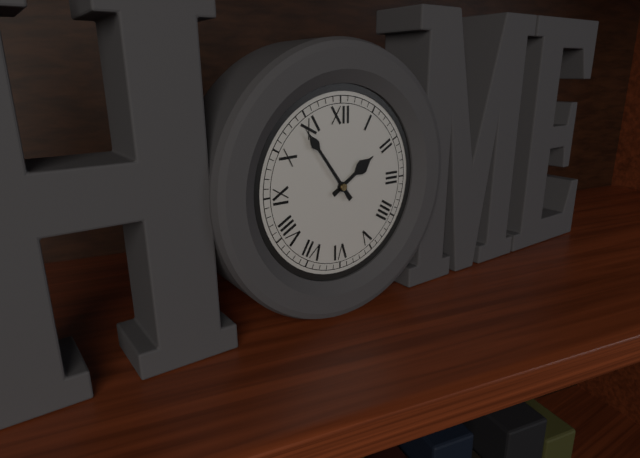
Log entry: 1:54
